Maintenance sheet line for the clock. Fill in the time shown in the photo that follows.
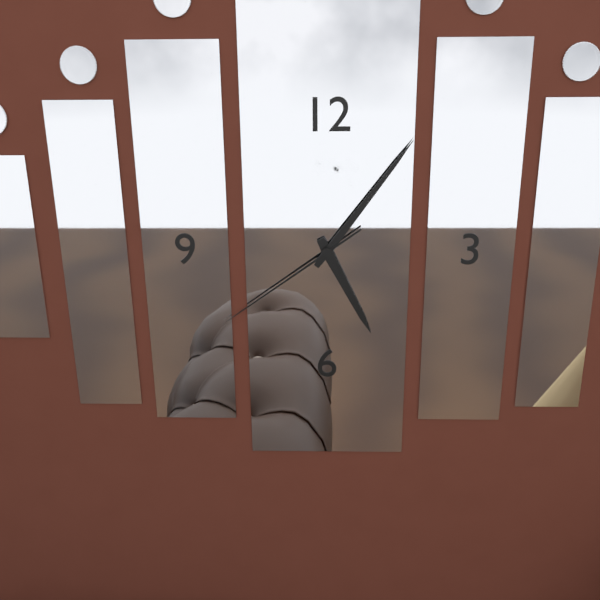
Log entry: 5:06:39
